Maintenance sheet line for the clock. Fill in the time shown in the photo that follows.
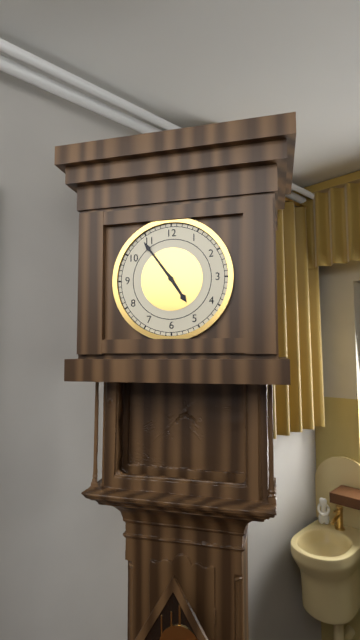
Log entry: 4:54
